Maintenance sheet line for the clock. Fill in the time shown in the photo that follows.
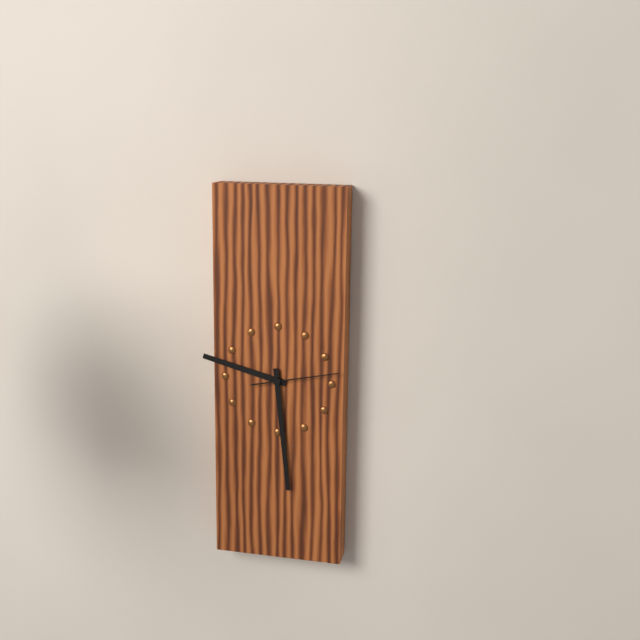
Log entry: 9:29:13
